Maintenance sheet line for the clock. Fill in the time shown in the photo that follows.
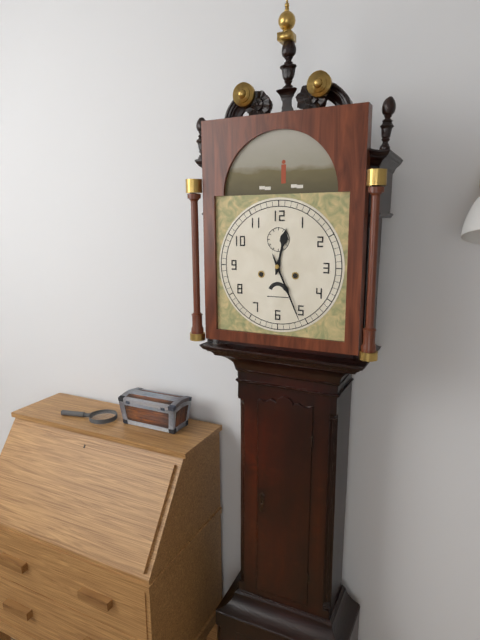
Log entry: 12:26
